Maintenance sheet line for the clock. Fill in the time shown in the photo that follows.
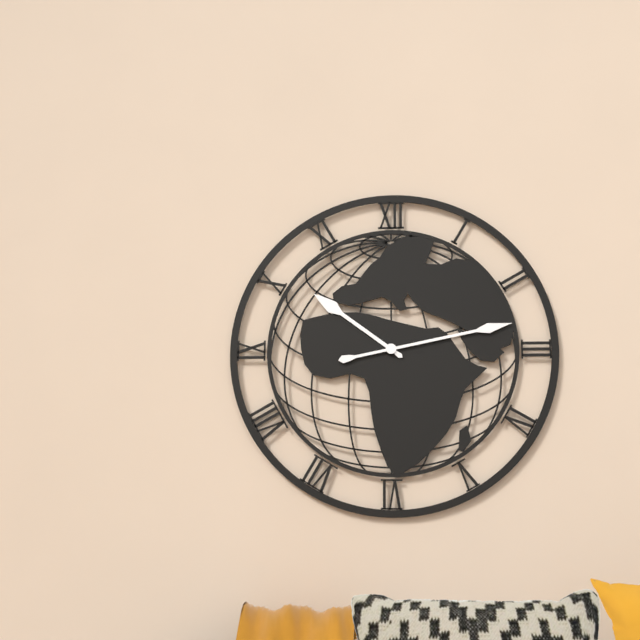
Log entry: 10:13
